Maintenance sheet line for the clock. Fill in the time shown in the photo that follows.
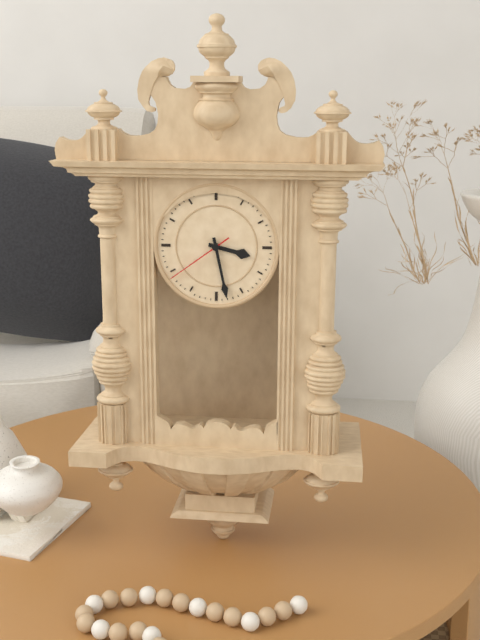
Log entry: 3:28:39
